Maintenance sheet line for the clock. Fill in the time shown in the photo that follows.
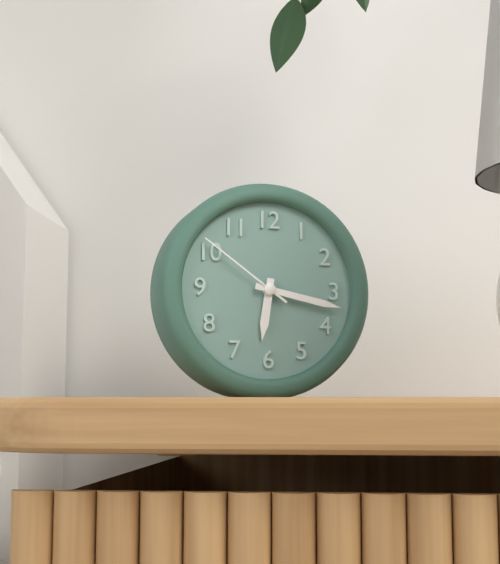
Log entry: 6:17:51
